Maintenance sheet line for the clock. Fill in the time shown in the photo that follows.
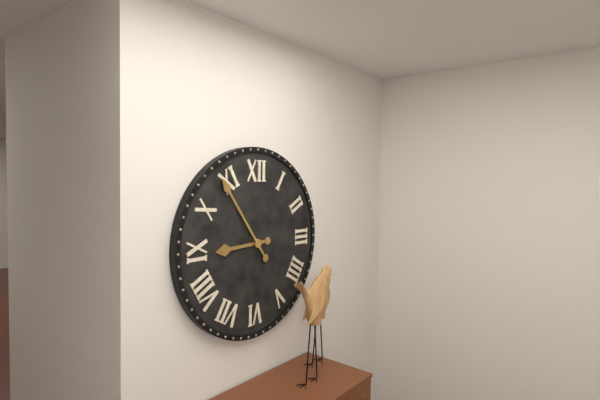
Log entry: 8:54
